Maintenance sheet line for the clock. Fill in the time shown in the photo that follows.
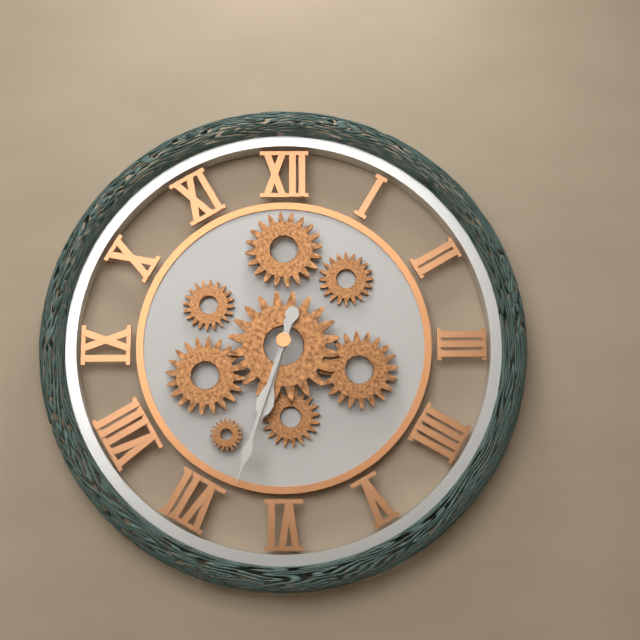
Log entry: 6:33
